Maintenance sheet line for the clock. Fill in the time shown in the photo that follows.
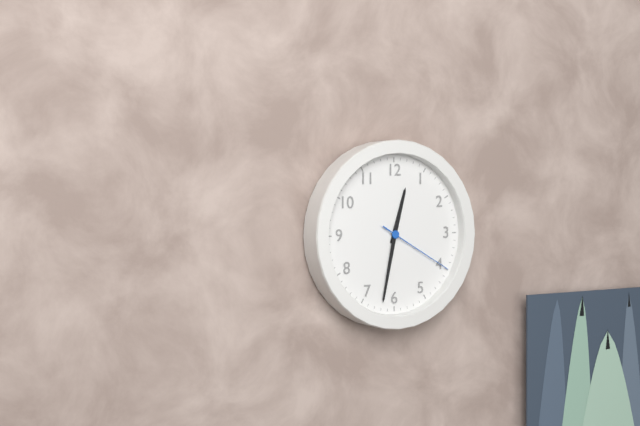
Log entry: 12:32:20
